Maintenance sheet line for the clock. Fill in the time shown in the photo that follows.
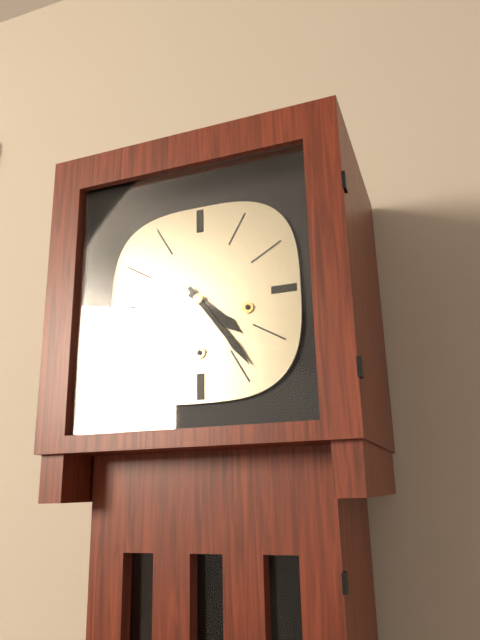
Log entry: 4:24
